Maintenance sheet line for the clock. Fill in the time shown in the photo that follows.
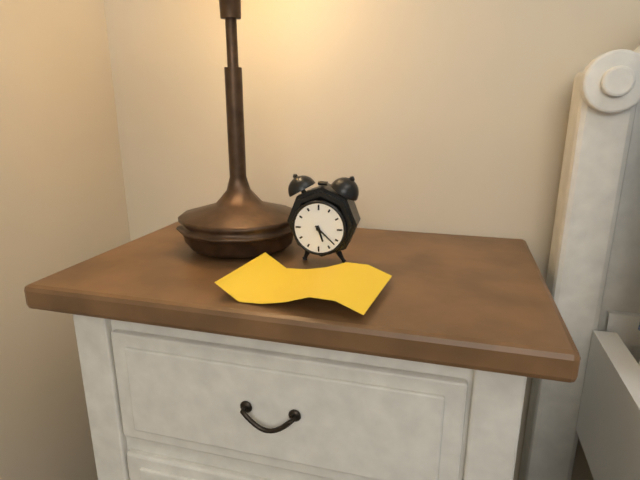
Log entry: 5:22
